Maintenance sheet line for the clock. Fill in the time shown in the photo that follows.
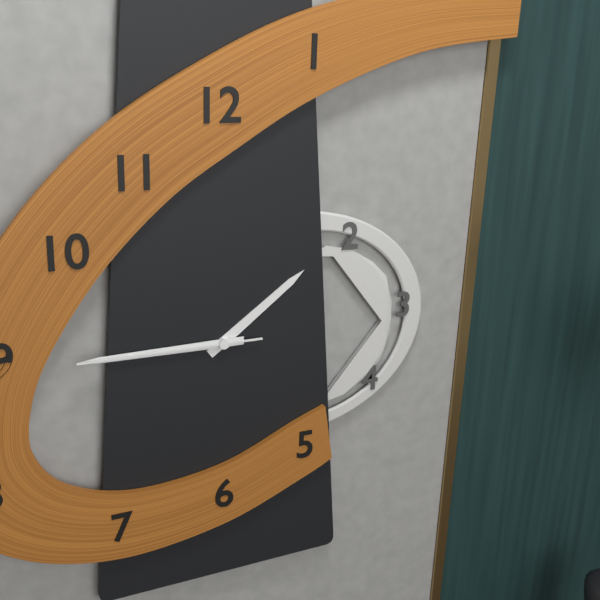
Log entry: 1:45:45
